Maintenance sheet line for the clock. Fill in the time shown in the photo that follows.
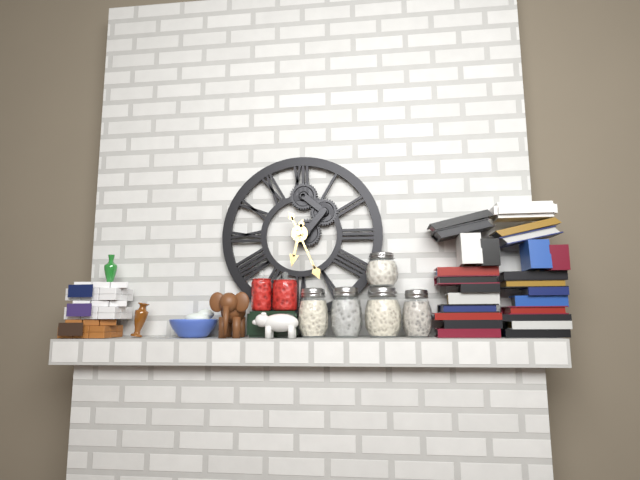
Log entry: 6:26
